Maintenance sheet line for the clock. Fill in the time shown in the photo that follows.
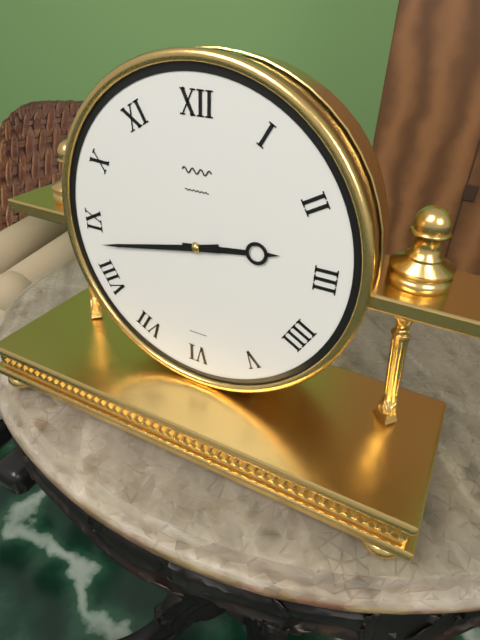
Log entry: 2:43
